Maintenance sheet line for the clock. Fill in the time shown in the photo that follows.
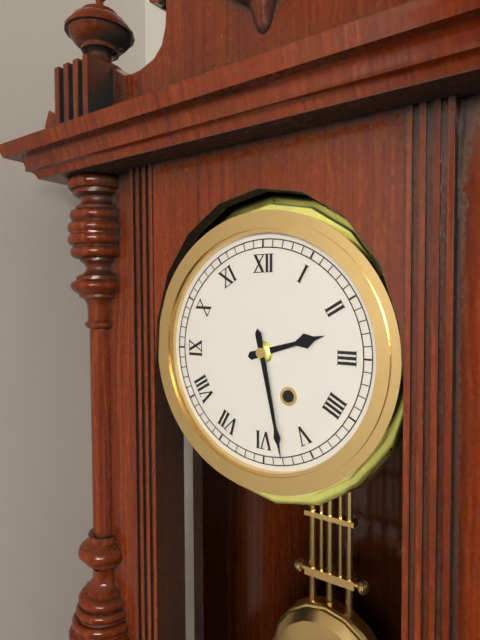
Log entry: 2:28
